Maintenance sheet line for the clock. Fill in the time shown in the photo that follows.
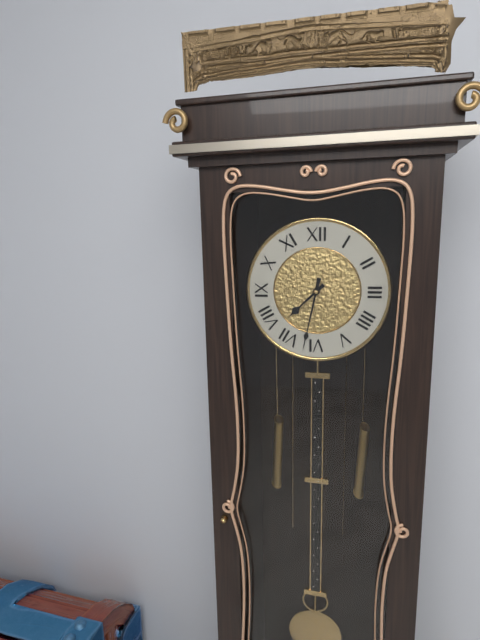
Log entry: 7:32
